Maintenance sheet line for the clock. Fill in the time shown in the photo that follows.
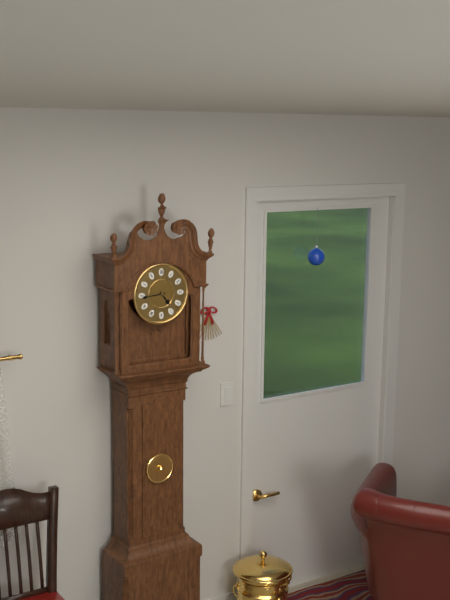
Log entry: 4:44
